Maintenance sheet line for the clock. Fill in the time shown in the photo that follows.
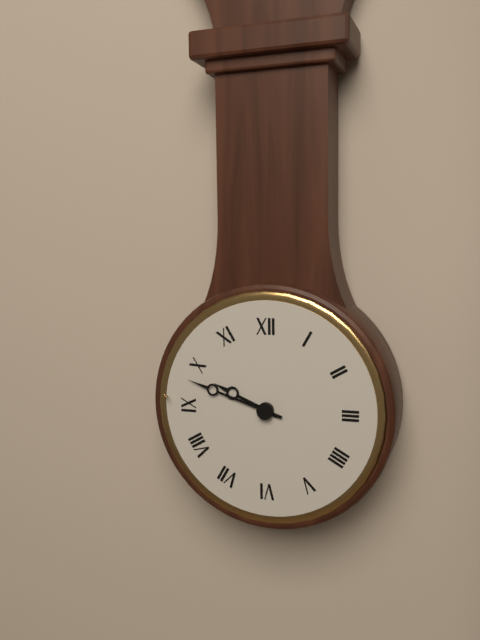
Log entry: 9:48
